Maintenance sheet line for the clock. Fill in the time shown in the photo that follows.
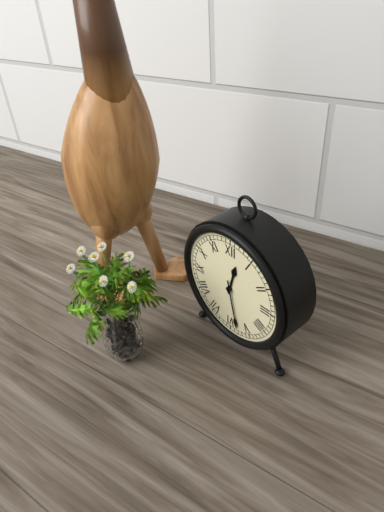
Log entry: 12:28
